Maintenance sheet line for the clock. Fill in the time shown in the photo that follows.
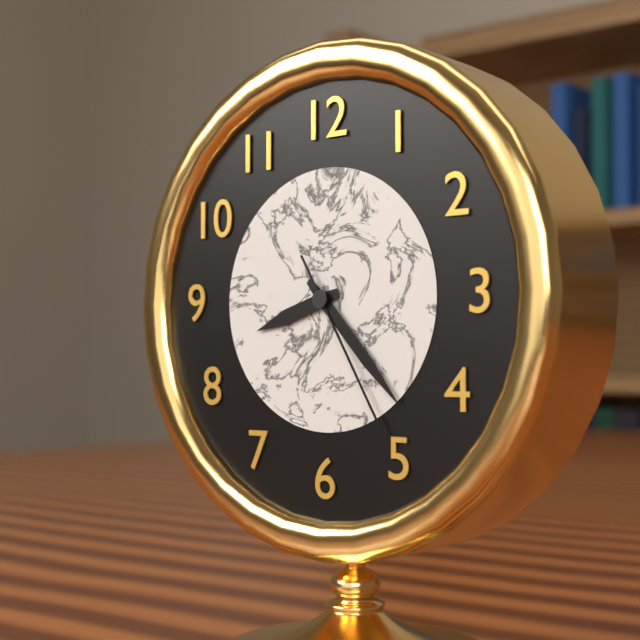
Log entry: 8:23:25
